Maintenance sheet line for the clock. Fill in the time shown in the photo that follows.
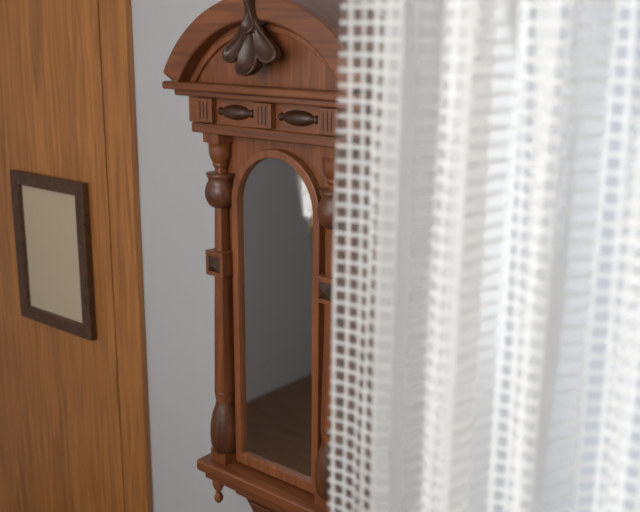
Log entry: 9:46
